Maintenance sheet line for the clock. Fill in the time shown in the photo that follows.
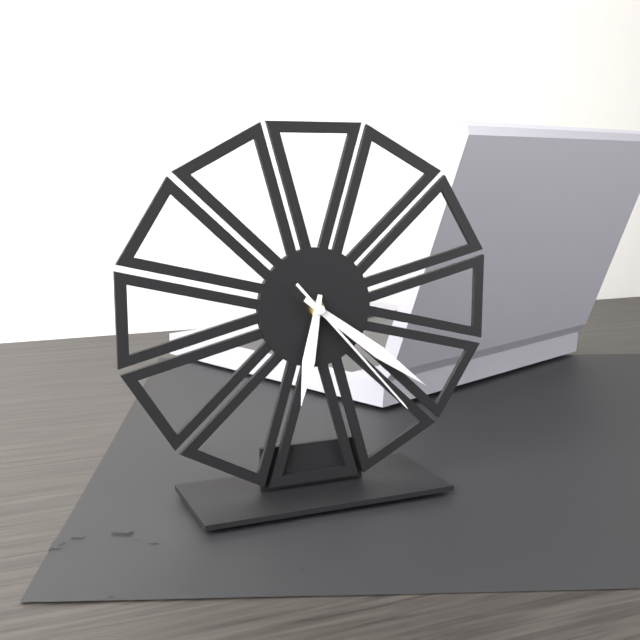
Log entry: 6:21:23
